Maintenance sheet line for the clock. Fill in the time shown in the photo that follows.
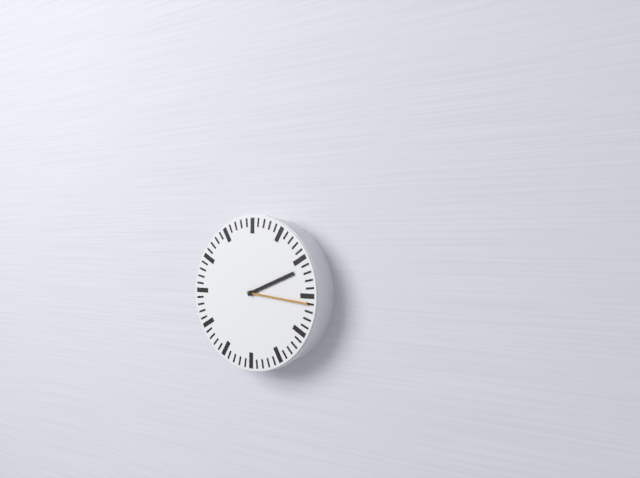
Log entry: 2:16
